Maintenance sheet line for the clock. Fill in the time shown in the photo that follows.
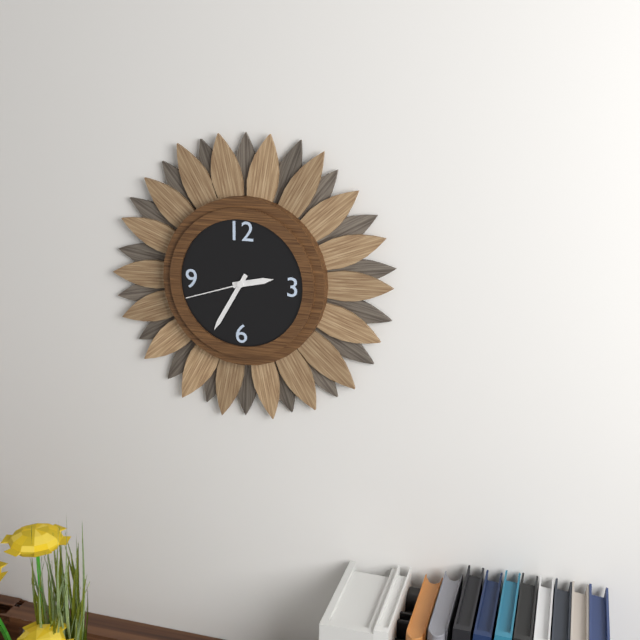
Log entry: 2:35:42
